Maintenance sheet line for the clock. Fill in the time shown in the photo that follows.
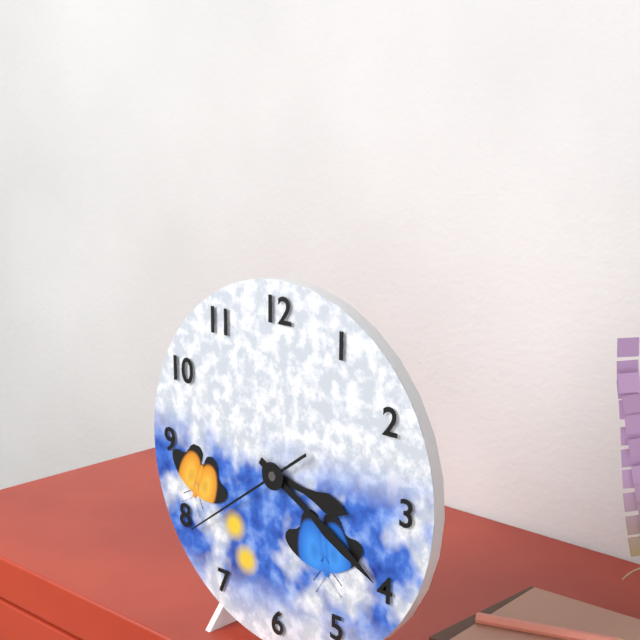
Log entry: 3:20:39
